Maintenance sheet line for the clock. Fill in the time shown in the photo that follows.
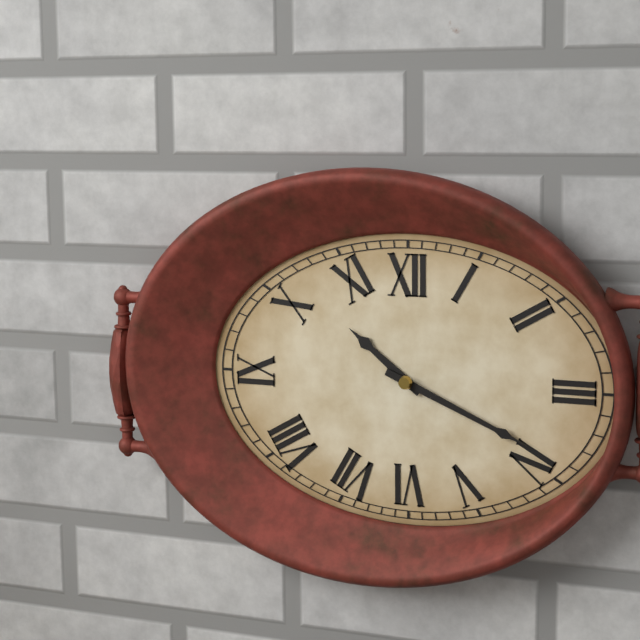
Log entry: 10:19
